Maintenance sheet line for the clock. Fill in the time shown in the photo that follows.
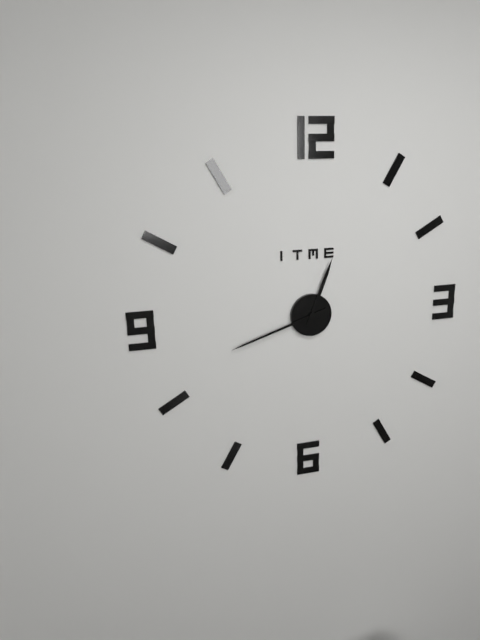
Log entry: 12:42
